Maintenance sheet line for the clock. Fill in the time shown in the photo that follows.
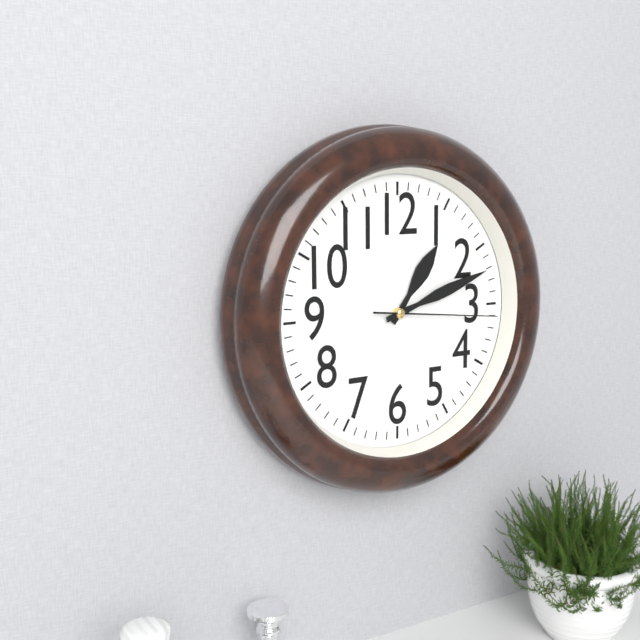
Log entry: 1:12:16
